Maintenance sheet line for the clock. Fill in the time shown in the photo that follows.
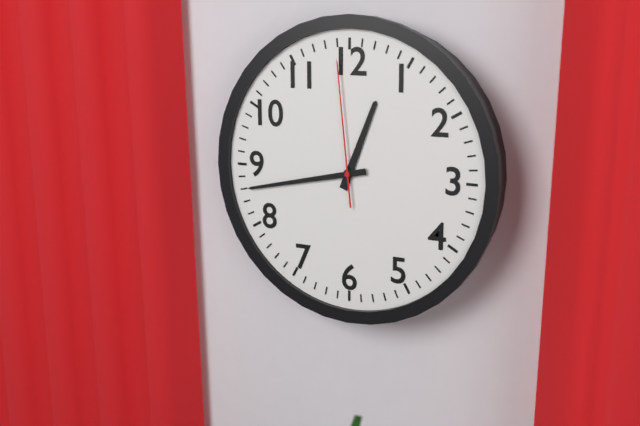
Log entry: 12:43:59
